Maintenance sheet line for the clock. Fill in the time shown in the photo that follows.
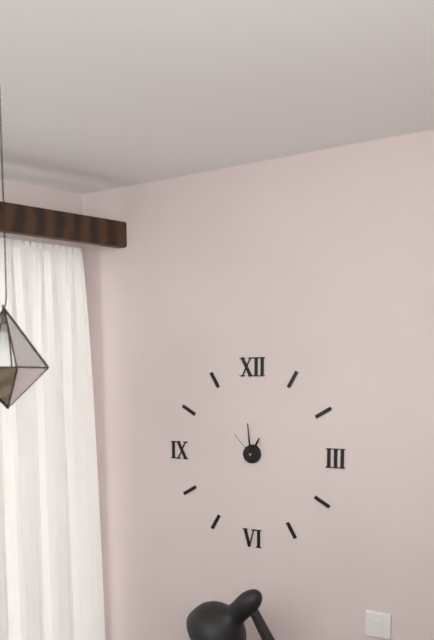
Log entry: 12:59
